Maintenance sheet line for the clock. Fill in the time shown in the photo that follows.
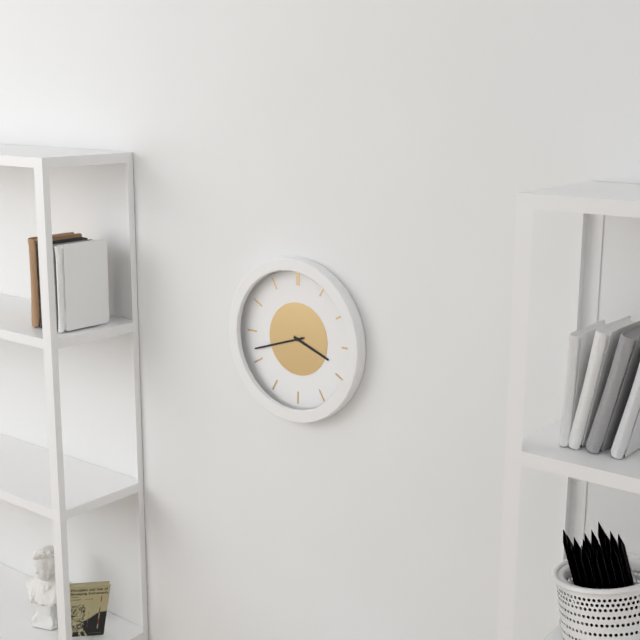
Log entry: 3:42
